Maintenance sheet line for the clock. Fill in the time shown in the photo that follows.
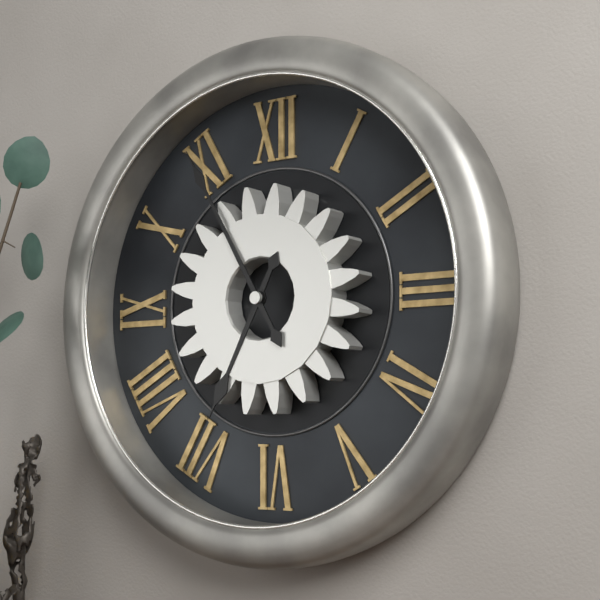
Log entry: 6:55
